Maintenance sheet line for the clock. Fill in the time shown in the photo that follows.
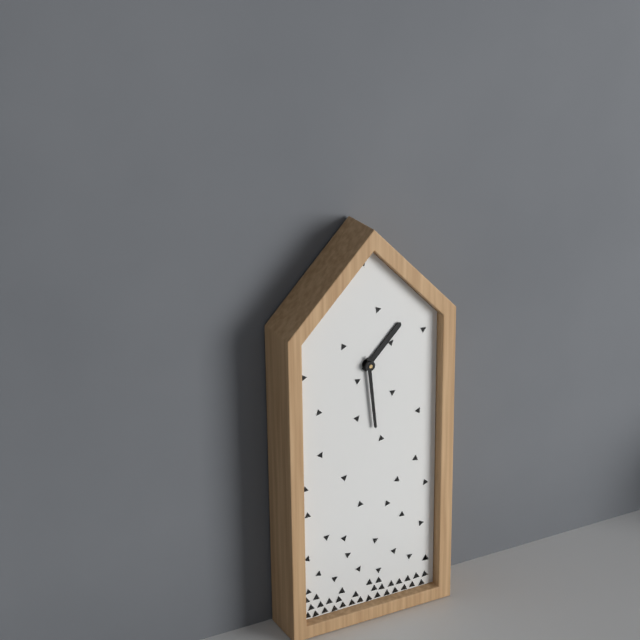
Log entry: 1:29
